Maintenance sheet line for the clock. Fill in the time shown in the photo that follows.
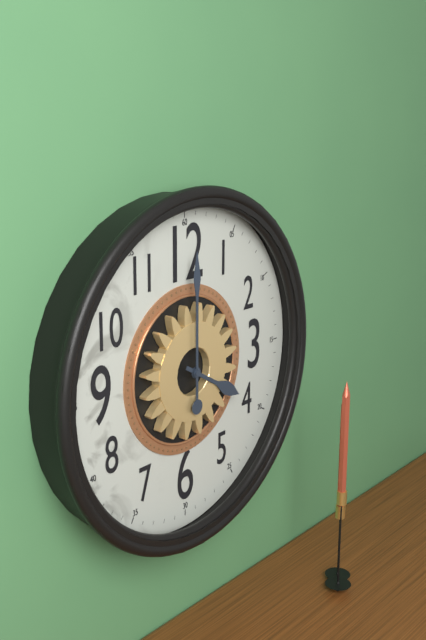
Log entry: 4:00
